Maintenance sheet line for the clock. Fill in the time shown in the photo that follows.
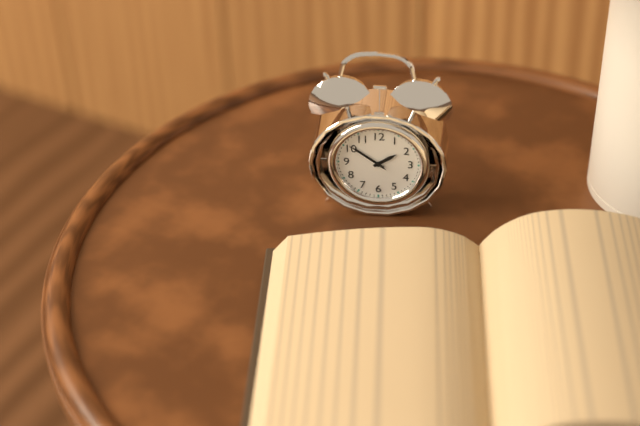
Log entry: 1:51
